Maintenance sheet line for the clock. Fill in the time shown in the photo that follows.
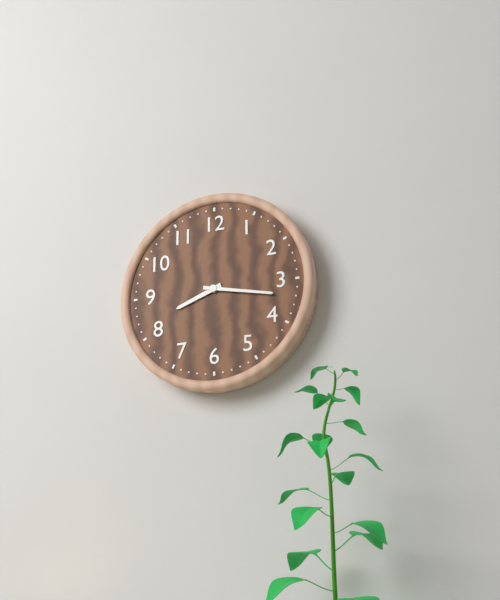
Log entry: 8:17
